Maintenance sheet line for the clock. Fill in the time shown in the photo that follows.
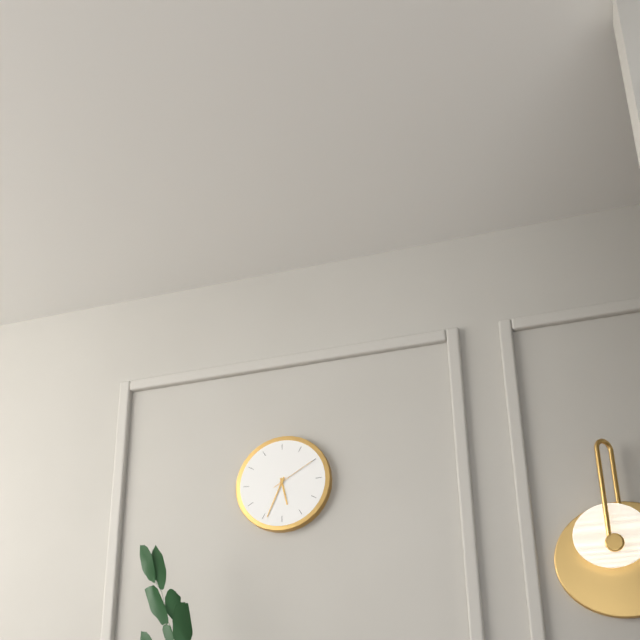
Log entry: 5:34
